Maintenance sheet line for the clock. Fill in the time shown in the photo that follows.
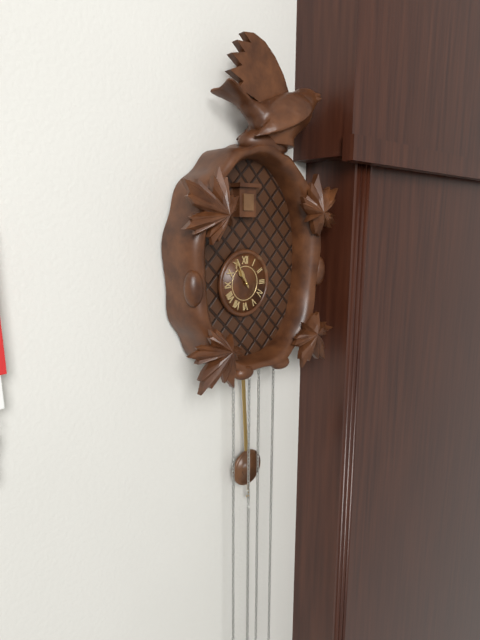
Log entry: 10:55
